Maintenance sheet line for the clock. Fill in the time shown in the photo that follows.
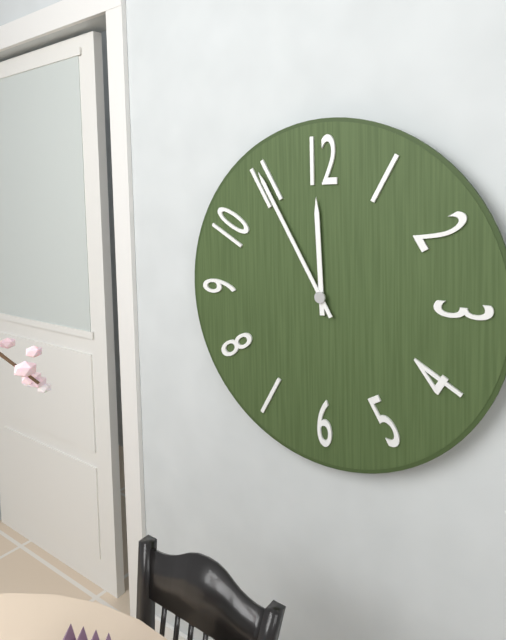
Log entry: 11:55
